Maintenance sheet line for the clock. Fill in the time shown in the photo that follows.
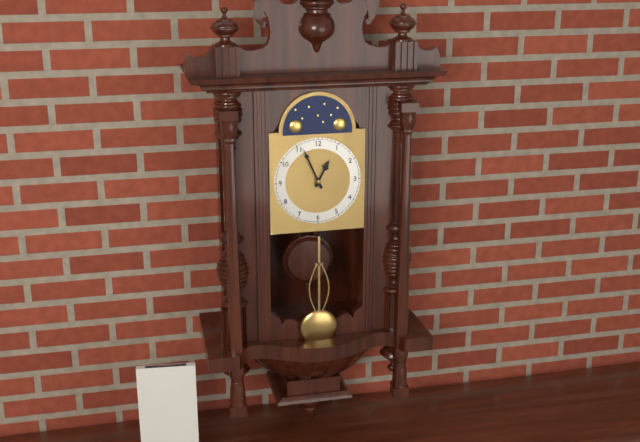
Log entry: 12:56
